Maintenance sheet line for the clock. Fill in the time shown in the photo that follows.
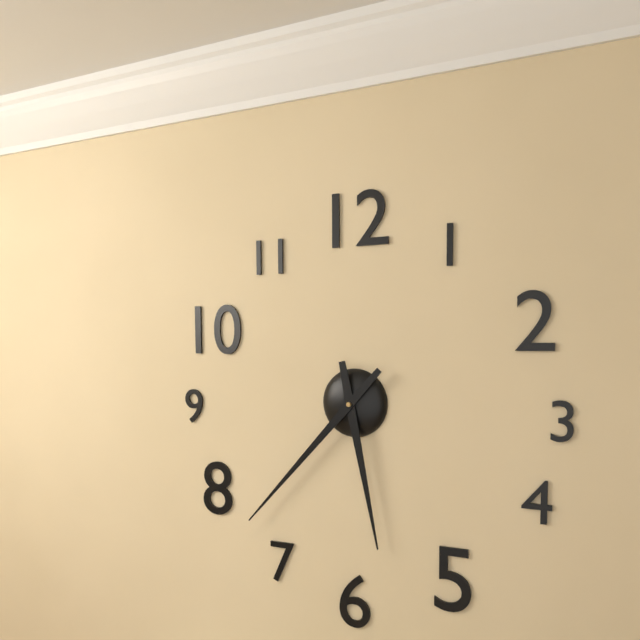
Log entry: 5:37
